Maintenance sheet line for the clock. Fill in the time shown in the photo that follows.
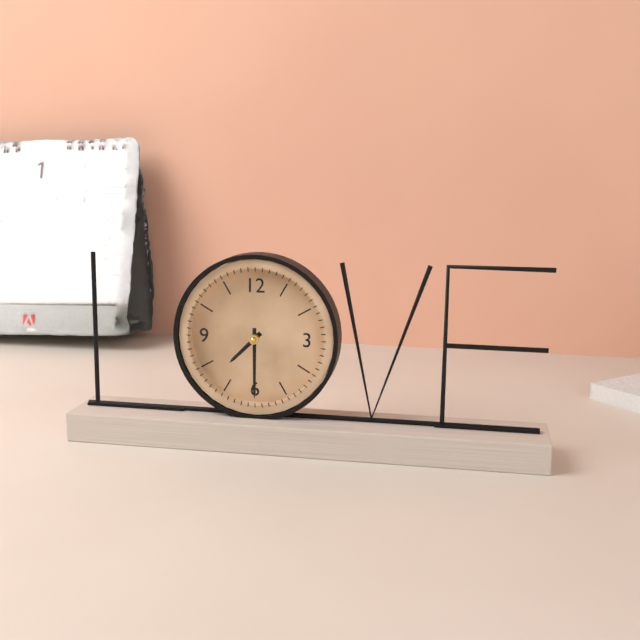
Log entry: 7:30
